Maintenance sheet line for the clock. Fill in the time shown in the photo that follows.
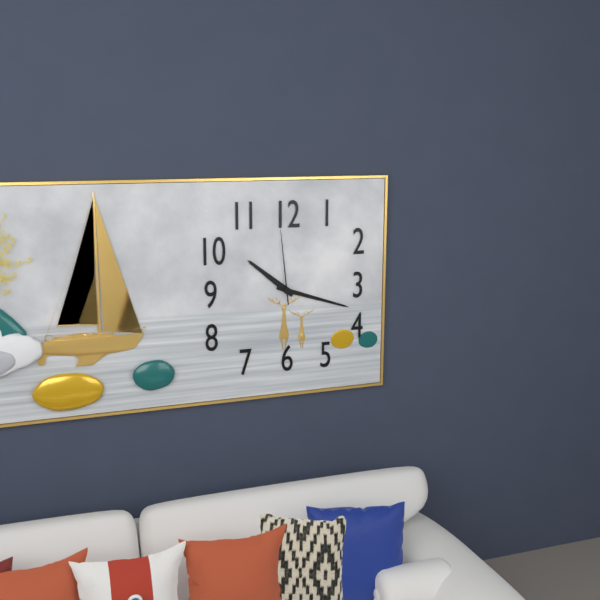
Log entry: 10:18:59
